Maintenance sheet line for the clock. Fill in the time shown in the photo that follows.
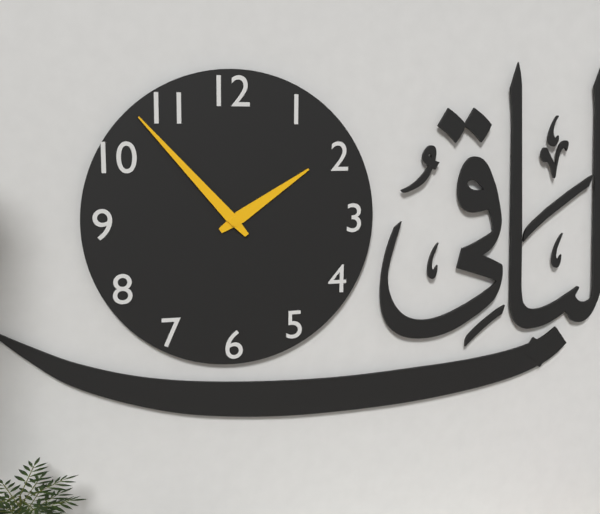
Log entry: 1:53
